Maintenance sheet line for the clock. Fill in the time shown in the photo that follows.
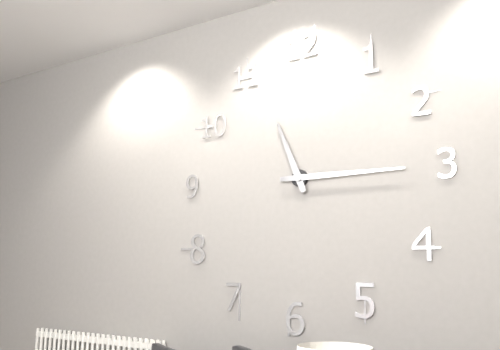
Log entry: 11:15
